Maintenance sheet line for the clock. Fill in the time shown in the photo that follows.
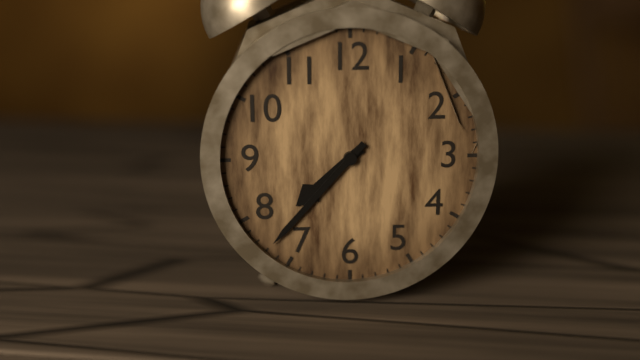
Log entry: 7:37
